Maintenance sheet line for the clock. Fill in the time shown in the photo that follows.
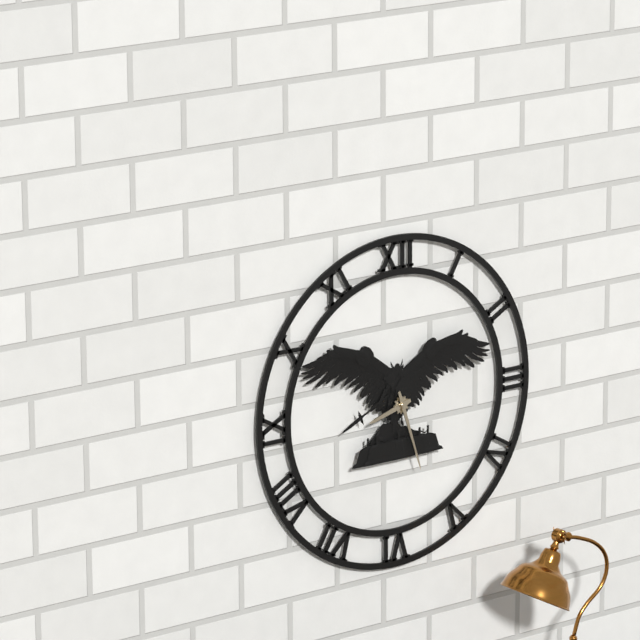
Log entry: 8:27
